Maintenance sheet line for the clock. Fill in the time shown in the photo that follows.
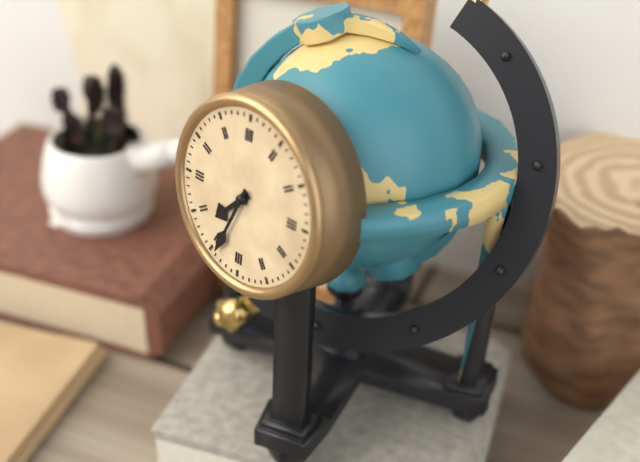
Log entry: 7:34
